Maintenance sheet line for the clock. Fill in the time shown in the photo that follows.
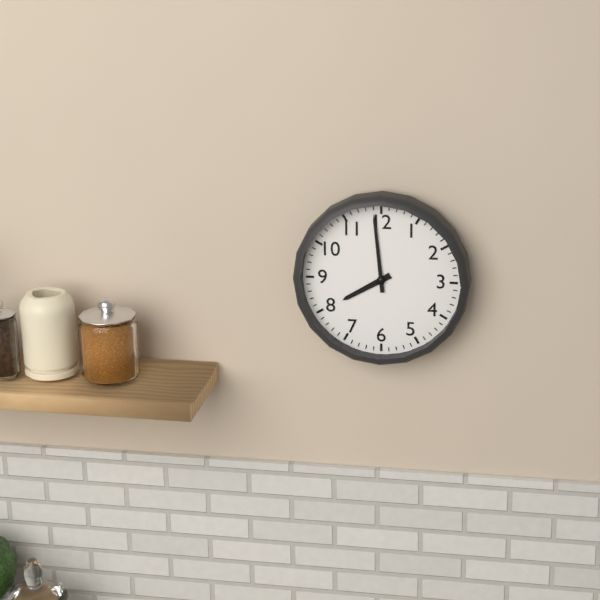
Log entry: 7:59
